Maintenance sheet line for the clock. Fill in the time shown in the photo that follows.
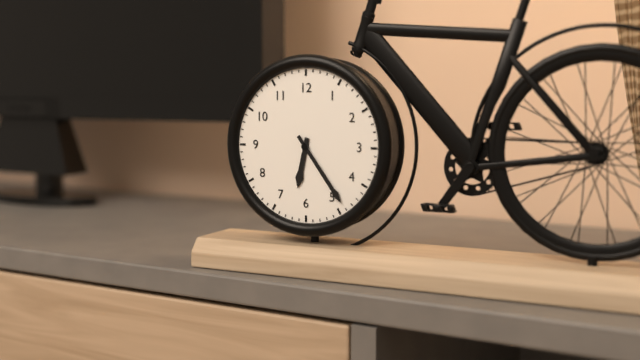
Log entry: 6:24
